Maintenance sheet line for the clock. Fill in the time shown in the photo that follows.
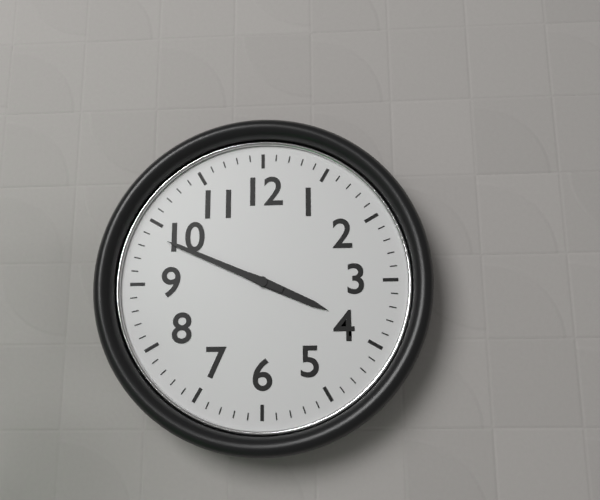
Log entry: 3:49
